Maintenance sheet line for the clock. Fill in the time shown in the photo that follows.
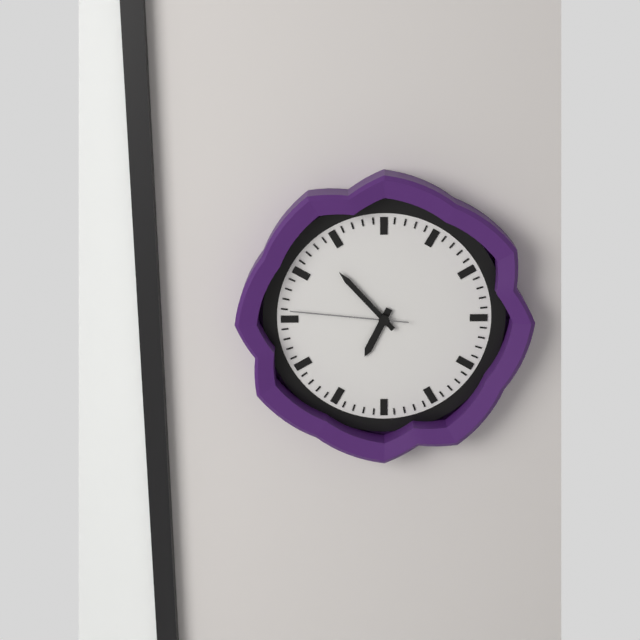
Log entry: 6:53:46
